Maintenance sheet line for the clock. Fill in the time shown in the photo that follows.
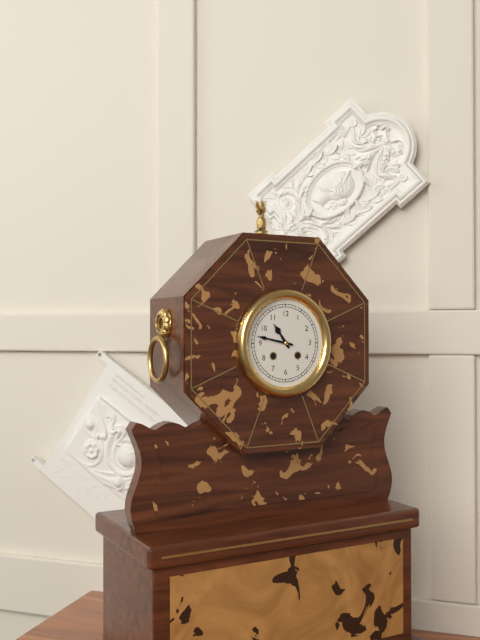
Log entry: 10:47
